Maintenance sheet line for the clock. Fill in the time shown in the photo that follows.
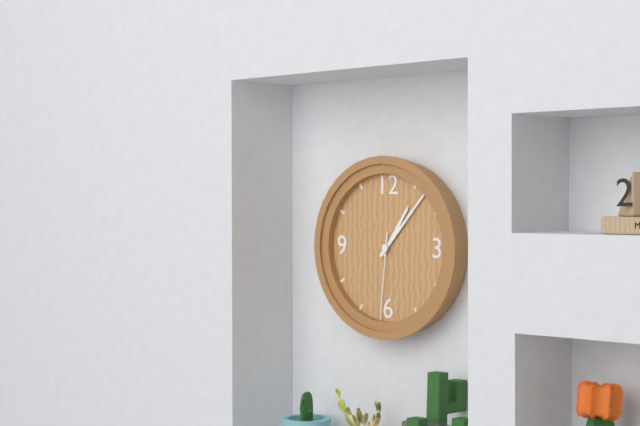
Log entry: 1:07:31
